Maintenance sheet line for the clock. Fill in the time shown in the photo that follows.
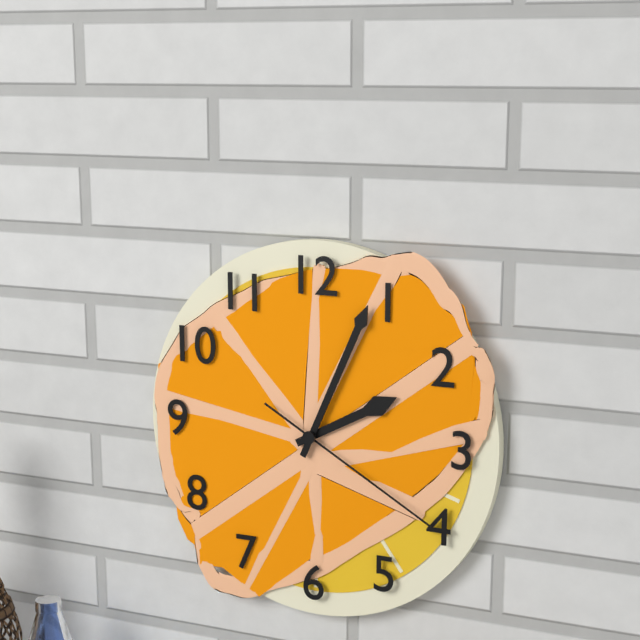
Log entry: 2:04:20
